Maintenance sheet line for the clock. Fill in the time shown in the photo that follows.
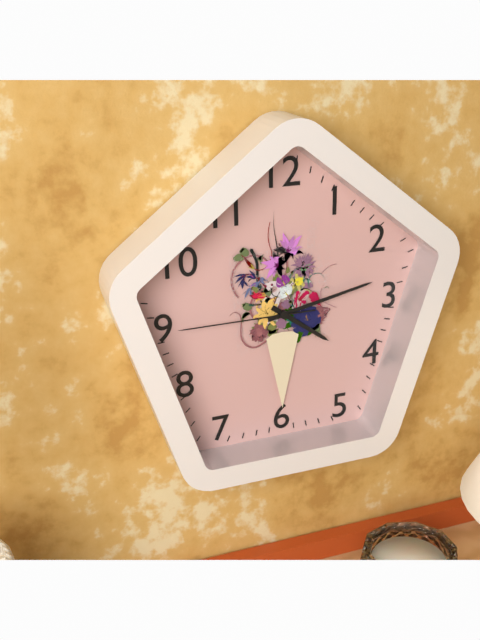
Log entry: 4:13:45
